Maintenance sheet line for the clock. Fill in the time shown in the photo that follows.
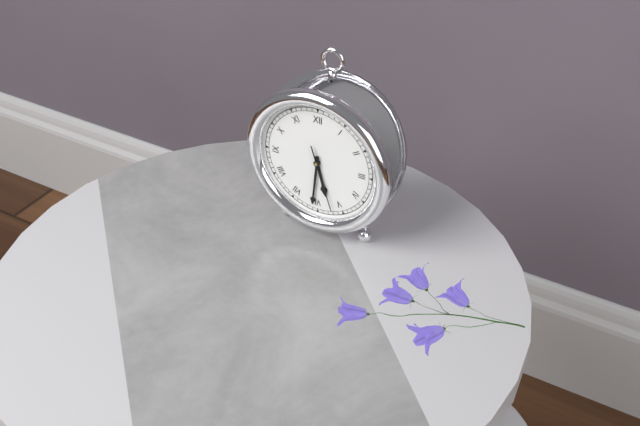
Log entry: 5:31:27
